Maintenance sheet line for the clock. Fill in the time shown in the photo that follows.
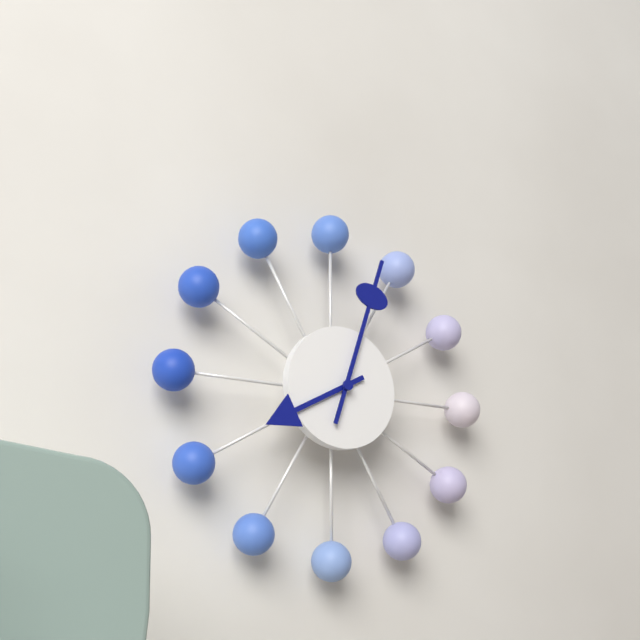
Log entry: 8:03
